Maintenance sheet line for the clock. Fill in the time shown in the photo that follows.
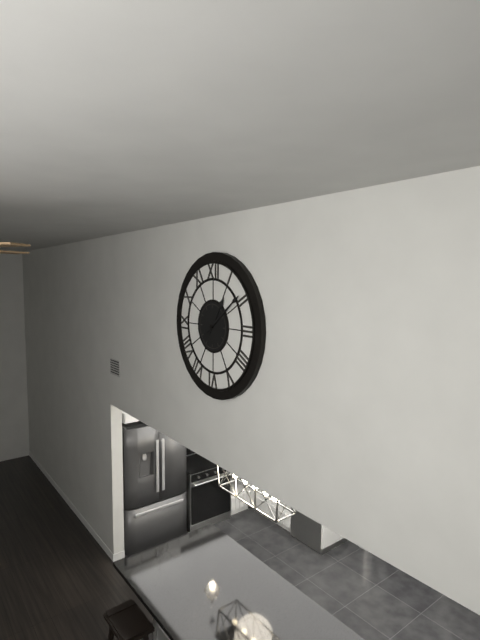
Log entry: 1:09
